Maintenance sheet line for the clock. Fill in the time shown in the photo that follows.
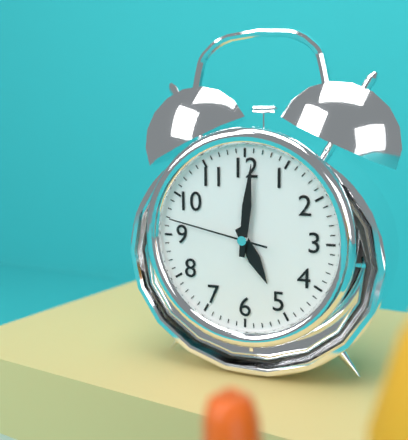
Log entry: 5:01:47
